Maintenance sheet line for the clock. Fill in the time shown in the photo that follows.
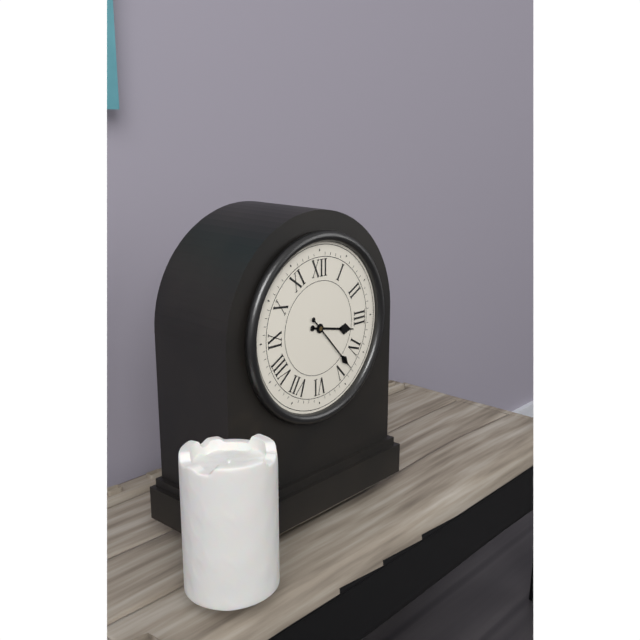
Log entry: 3:23
